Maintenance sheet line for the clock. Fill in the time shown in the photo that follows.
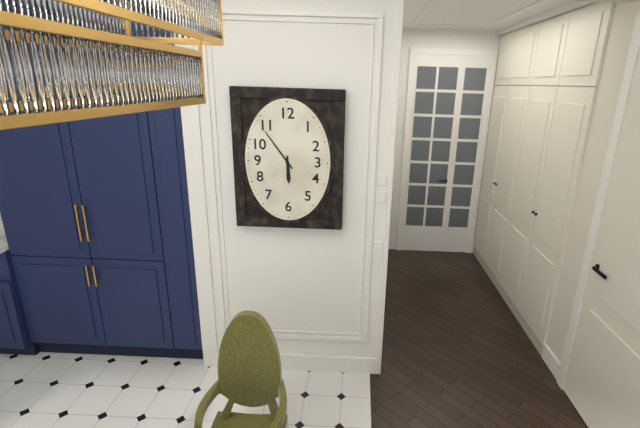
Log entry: 5:54
